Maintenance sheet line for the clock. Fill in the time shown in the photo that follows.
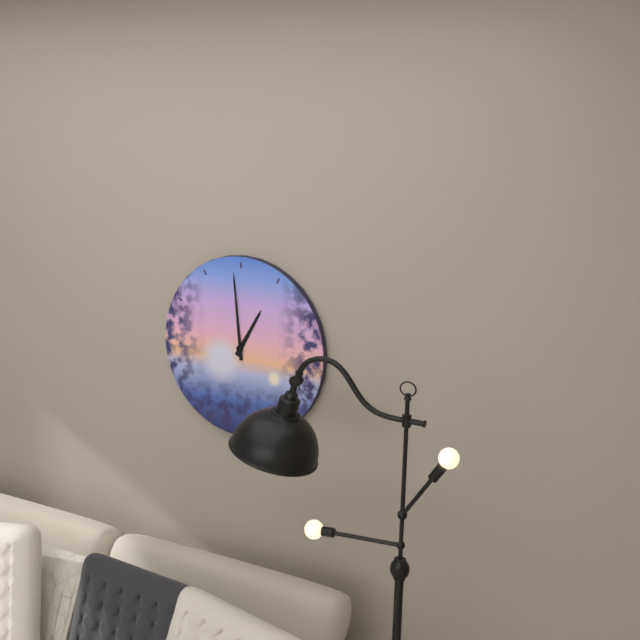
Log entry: 12:59
